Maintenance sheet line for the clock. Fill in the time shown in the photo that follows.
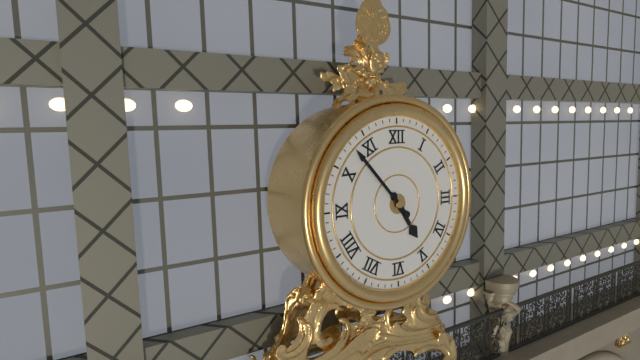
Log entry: 4:53
